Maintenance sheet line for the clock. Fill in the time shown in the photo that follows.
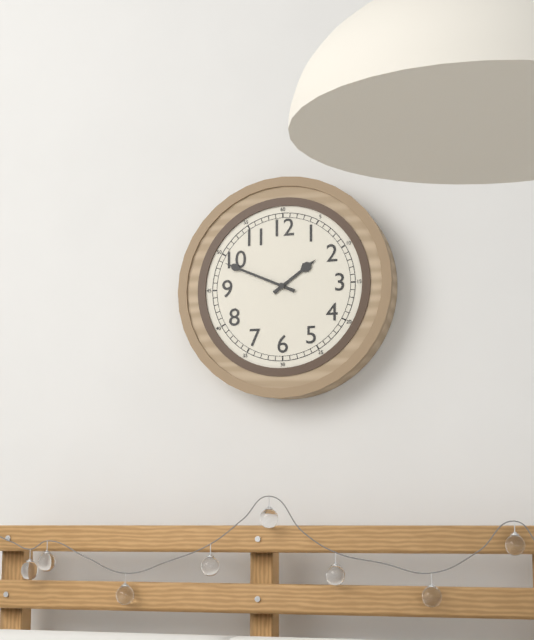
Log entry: 1:49
